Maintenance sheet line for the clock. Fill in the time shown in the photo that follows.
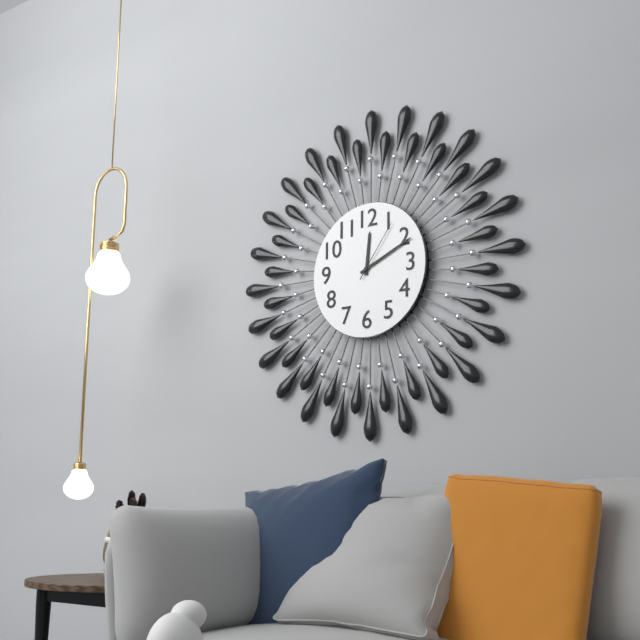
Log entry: 12:11:06
